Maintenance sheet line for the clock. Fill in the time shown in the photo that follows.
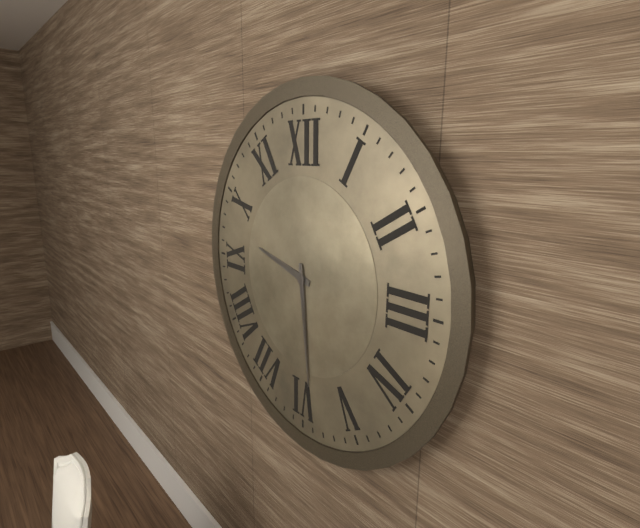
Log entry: 9:29
